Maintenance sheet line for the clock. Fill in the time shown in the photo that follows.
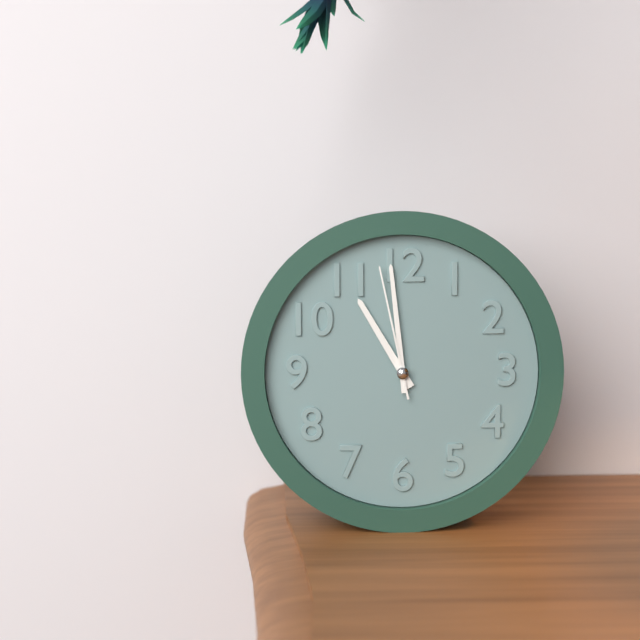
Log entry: 10:59:58
